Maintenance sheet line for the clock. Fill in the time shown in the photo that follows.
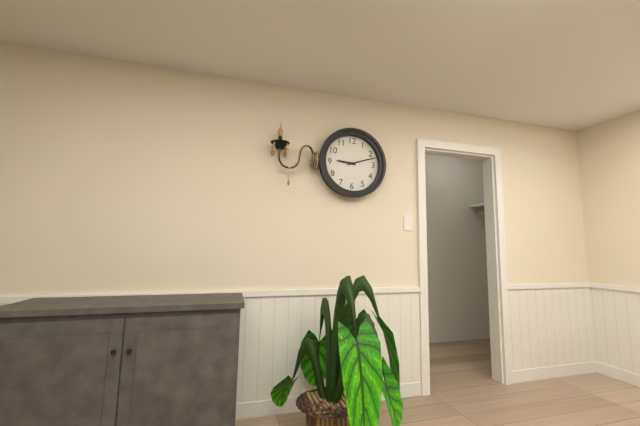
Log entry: 9:12
